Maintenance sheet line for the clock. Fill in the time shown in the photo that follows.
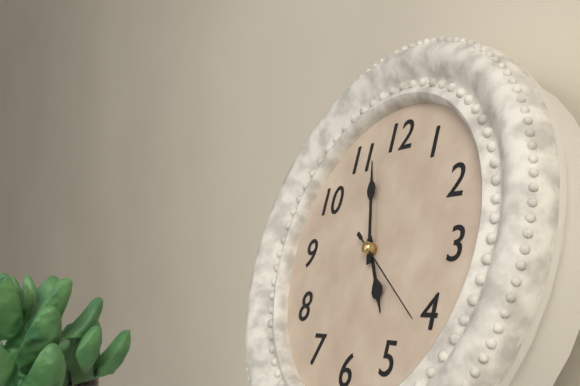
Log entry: 4:57:21
